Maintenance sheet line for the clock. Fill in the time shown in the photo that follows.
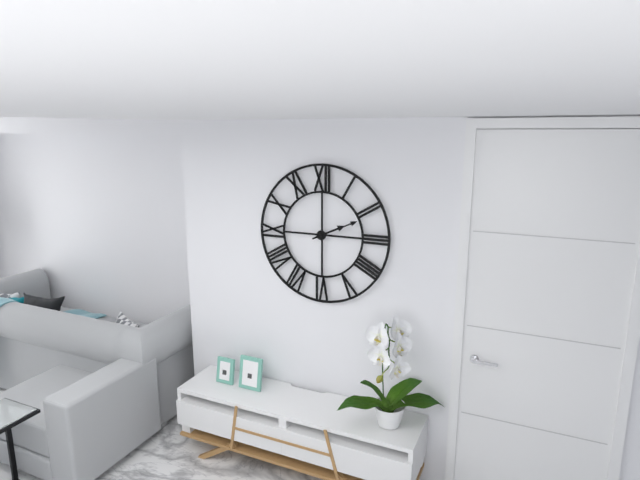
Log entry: 2:11
